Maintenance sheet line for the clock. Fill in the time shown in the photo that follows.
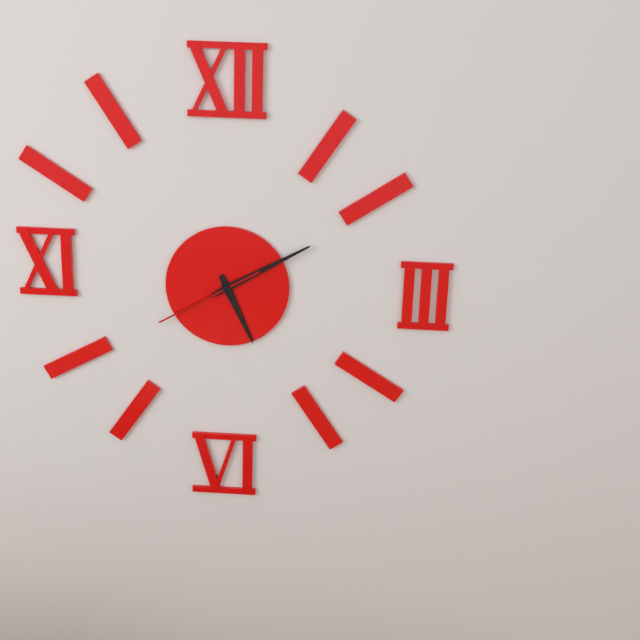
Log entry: 5:10:40
